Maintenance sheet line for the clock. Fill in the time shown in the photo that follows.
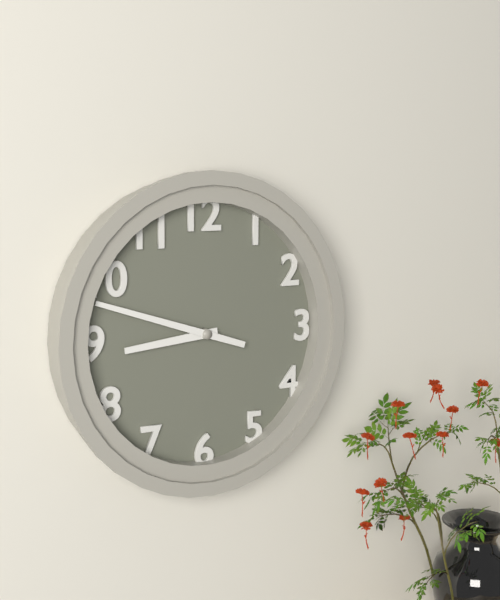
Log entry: 8:48
